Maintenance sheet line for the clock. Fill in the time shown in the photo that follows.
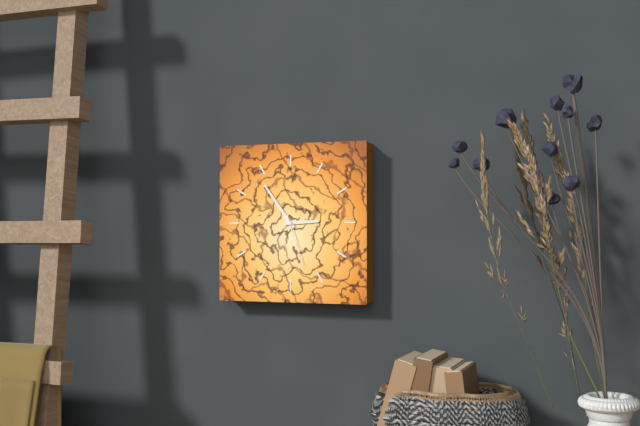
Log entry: 2:54:27
